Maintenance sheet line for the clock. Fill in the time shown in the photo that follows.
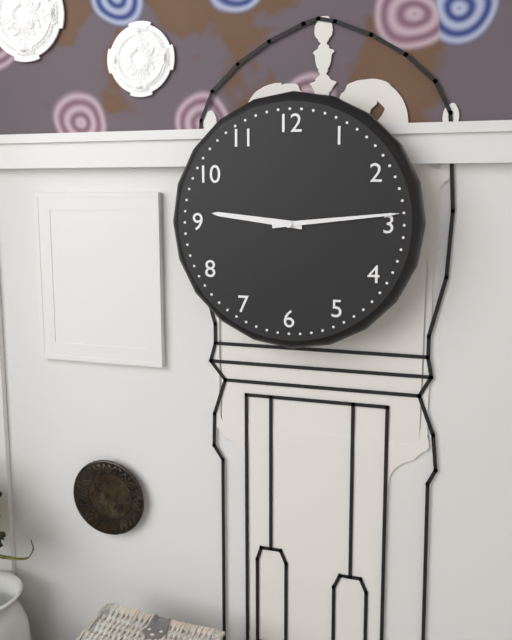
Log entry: 9:14
